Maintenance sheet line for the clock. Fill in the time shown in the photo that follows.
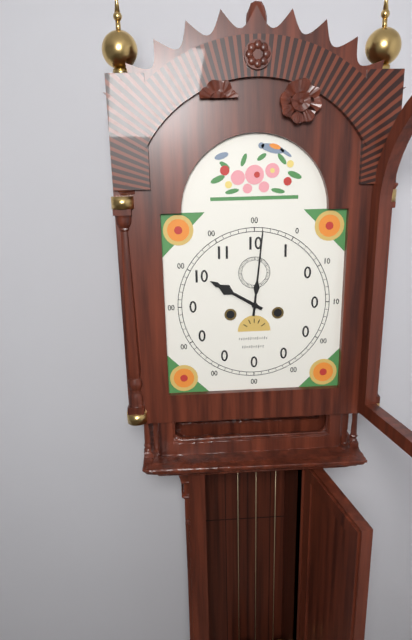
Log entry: 10:01
